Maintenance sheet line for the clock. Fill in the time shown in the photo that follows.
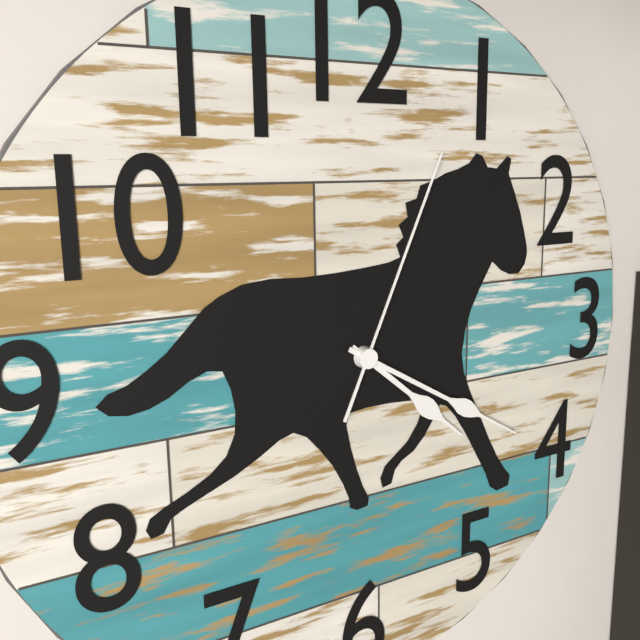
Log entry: 4:20:04
